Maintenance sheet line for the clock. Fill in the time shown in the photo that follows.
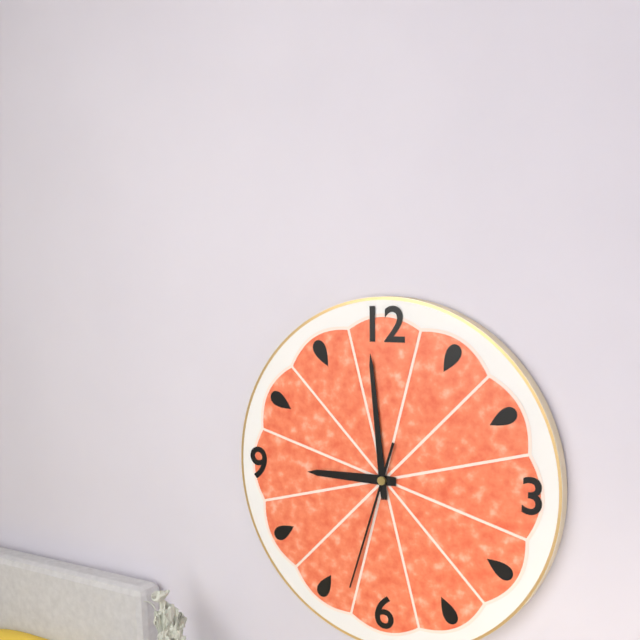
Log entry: 8:59:33
